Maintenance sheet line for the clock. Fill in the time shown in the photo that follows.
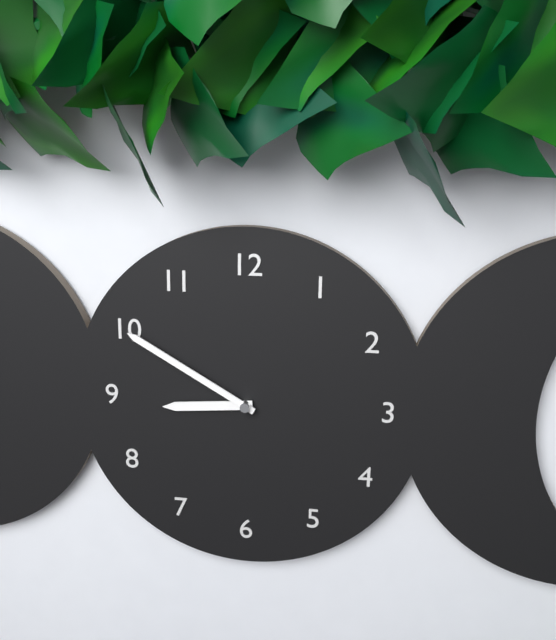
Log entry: 8:50
